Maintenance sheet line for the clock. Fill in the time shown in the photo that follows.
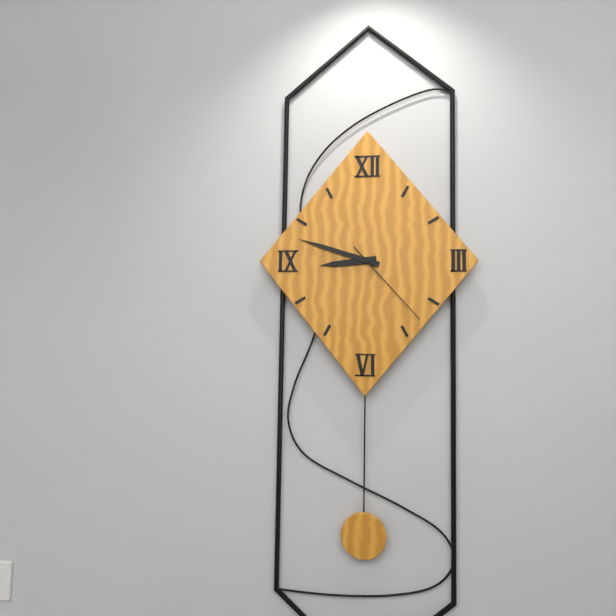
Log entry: 8:48:23
